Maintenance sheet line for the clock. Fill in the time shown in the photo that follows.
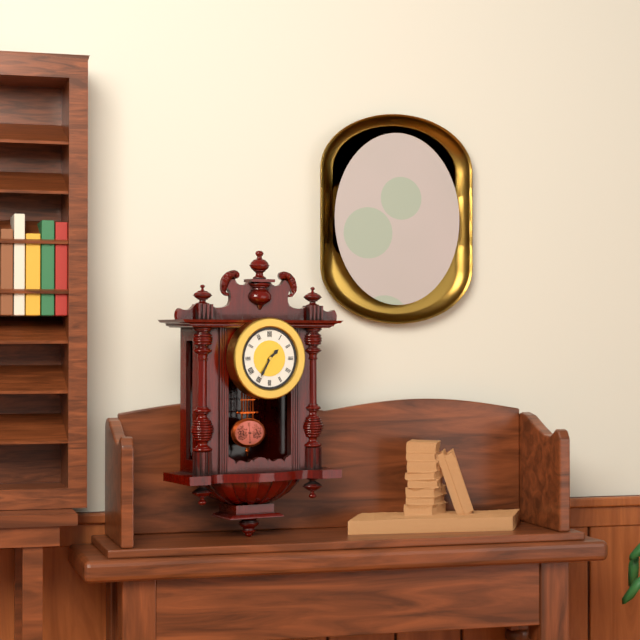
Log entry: 1:35
